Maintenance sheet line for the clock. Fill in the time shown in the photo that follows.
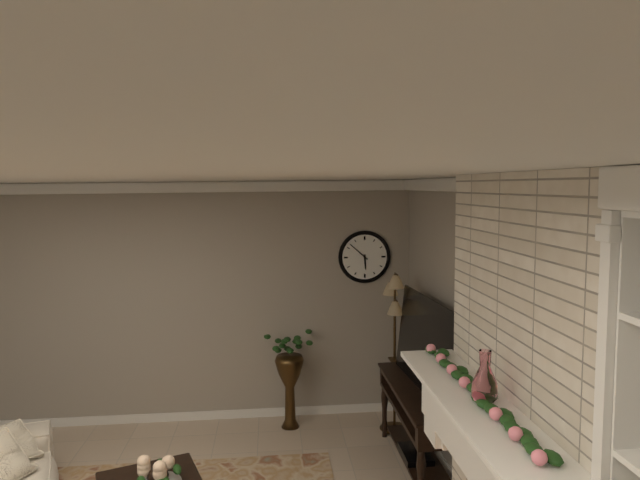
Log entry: 5:52
